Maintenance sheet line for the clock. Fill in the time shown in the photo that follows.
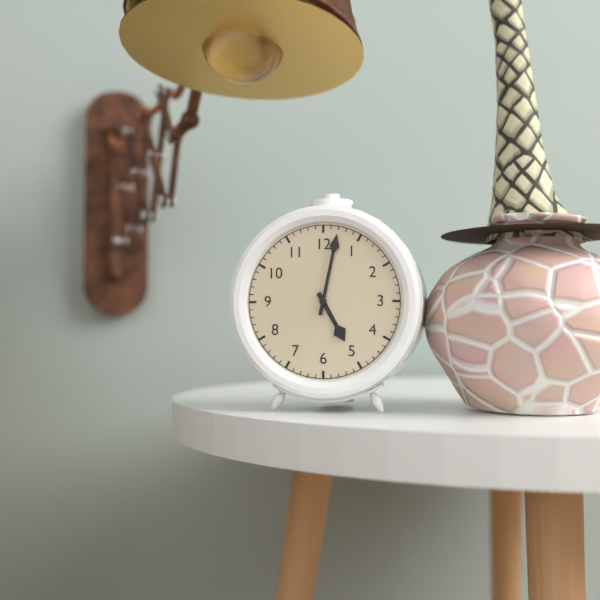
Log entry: 5:02
